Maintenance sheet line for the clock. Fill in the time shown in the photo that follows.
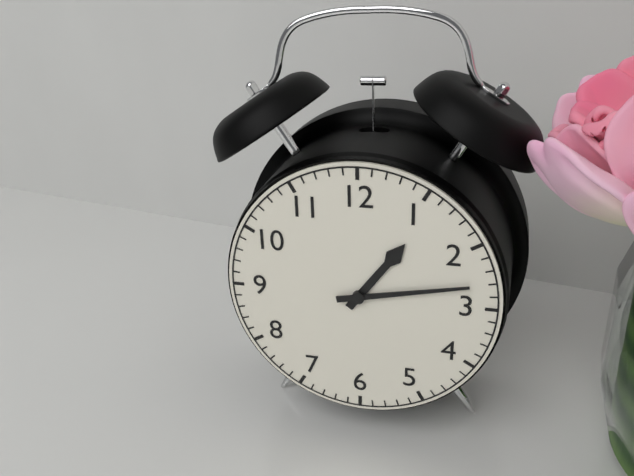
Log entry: 1:13
